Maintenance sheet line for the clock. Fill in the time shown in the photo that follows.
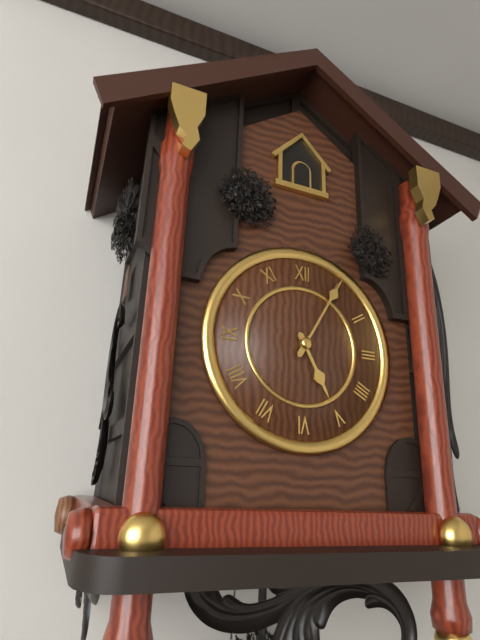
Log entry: 5:05
